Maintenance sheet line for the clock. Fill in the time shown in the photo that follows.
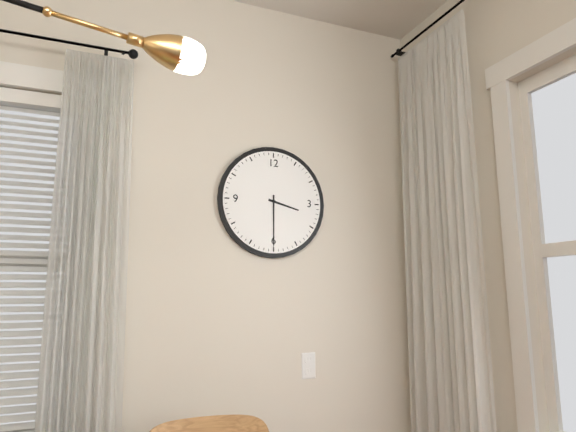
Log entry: 3:30
